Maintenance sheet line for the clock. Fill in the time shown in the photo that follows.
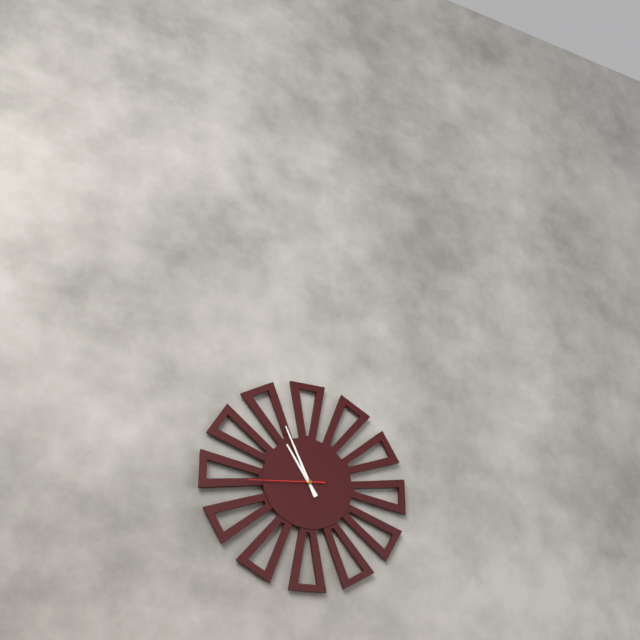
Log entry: 10:56:44
